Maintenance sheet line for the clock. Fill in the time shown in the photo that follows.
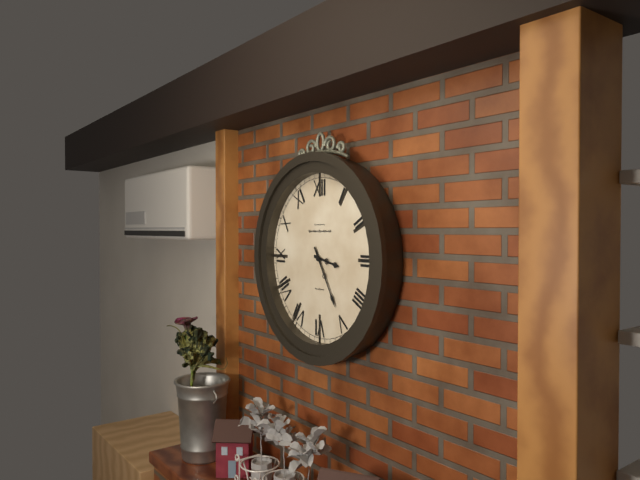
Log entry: 3:25
